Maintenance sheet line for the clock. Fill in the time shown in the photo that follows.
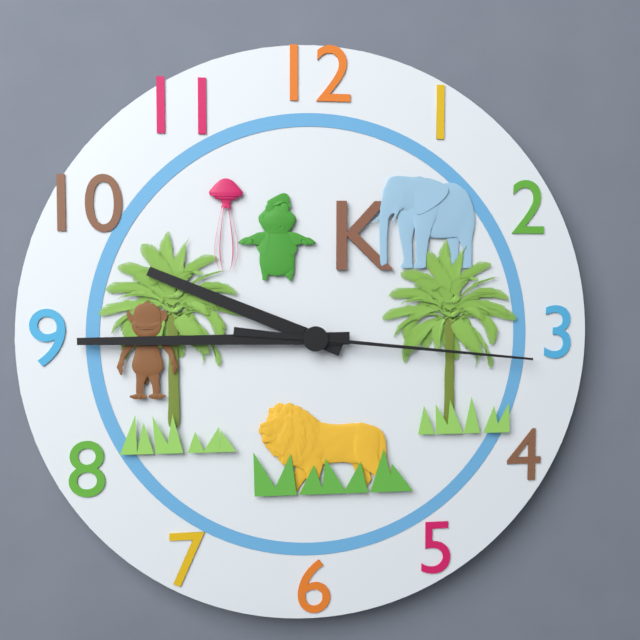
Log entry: 9:45:16
